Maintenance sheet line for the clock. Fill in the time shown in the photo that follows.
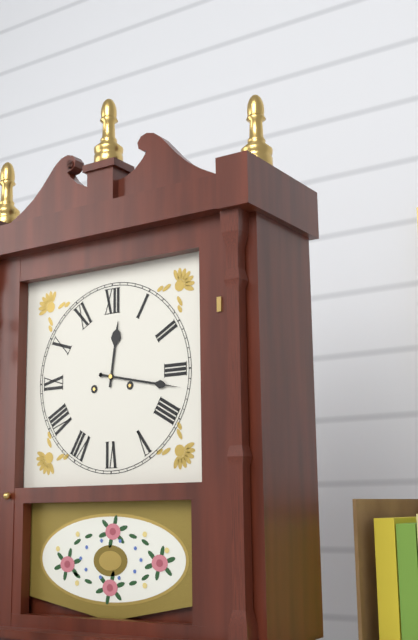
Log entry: 12:17
